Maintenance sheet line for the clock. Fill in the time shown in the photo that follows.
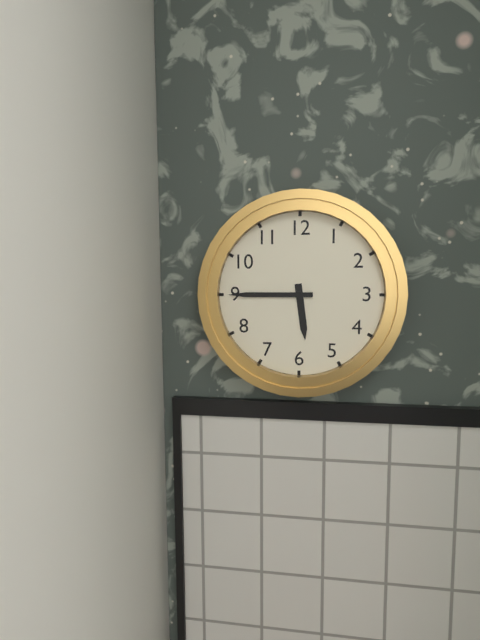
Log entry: 5:45
